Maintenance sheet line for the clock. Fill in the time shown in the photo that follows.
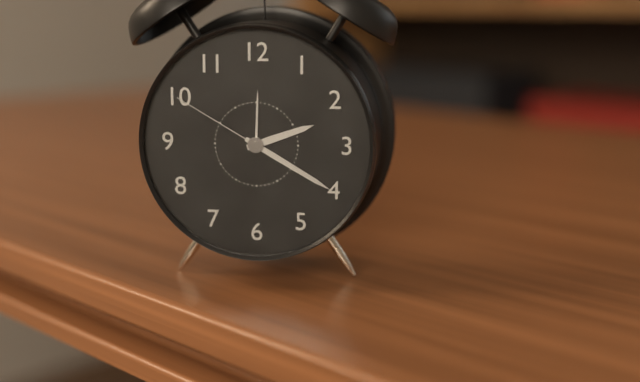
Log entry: 2:20:50
